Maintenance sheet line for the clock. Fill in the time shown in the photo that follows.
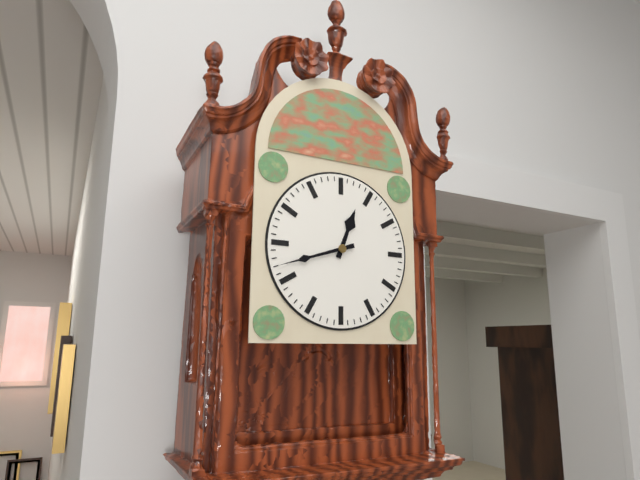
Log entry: 12:42
